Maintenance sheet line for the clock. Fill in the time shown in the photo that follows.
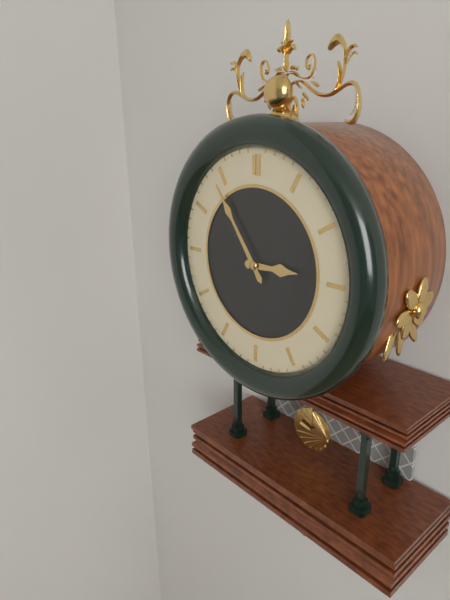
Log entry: 2:54
